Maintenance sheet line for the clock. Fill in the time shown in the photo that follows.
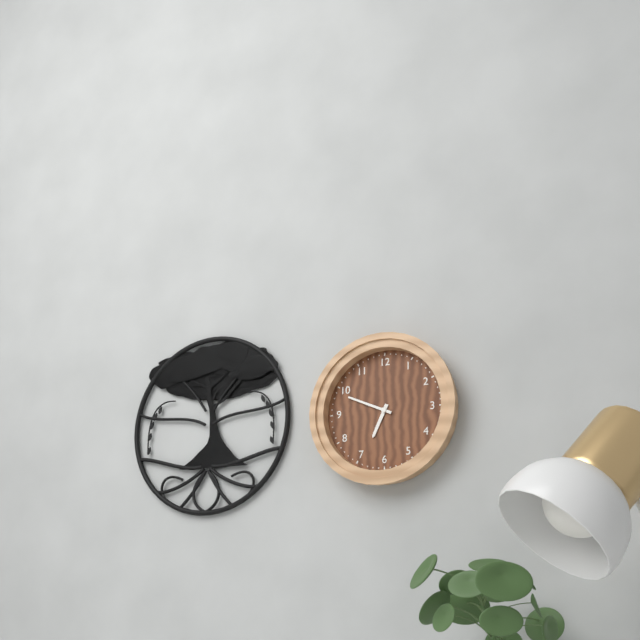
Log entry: 6:49
